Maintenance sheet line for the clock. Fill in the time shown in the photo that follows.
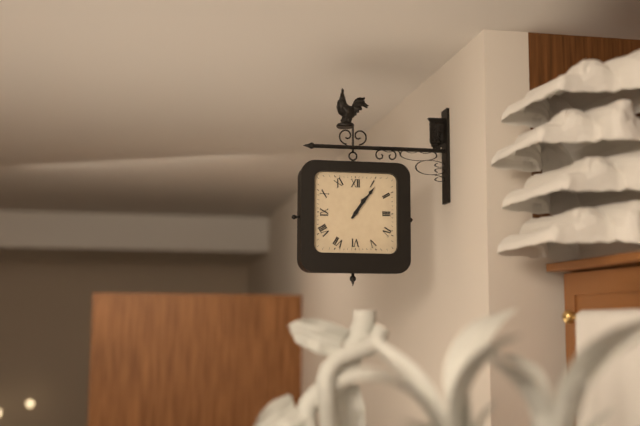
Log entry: 1:06
